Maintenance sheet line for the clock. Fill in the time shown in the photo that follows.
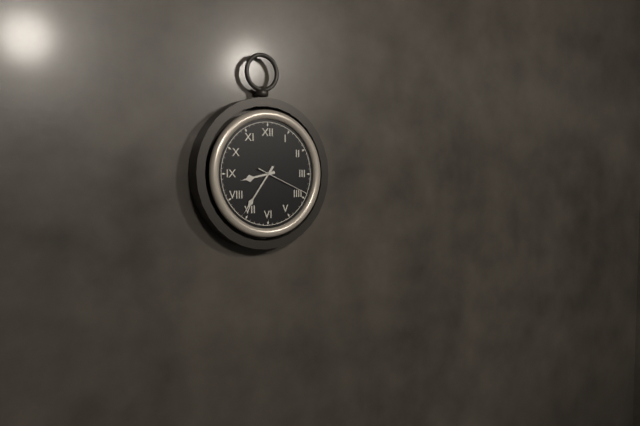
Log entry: 8:36:19
